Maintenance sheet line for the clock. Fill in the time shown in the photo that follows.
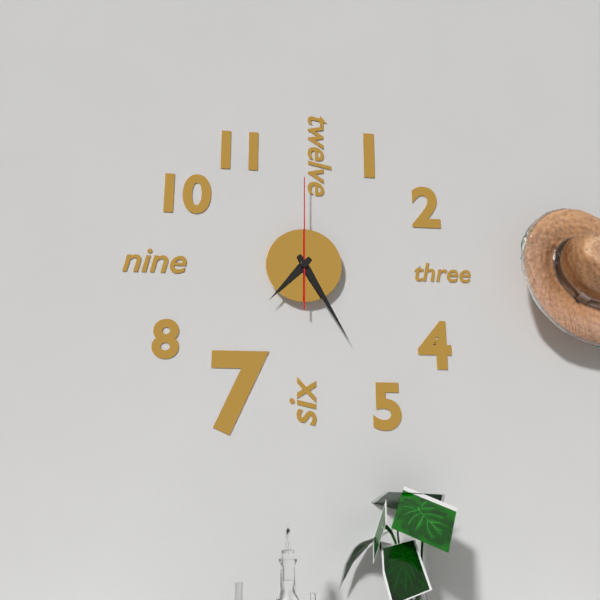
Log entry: 7:25:00
